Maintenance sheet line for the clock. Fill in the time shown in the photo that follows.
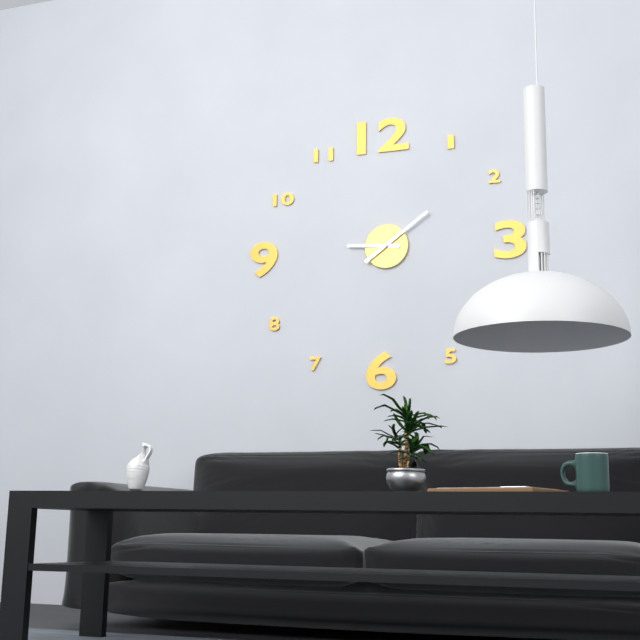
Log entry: 9:09
